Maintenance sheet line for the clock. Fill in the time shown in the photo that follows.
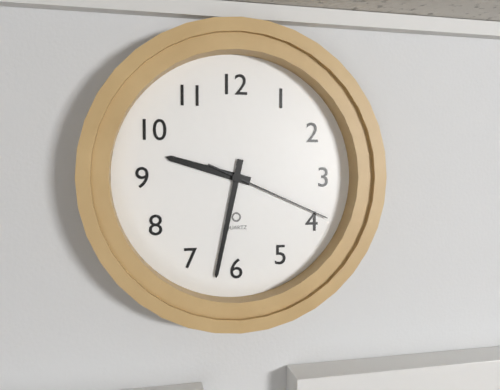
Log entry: 9:32:19
